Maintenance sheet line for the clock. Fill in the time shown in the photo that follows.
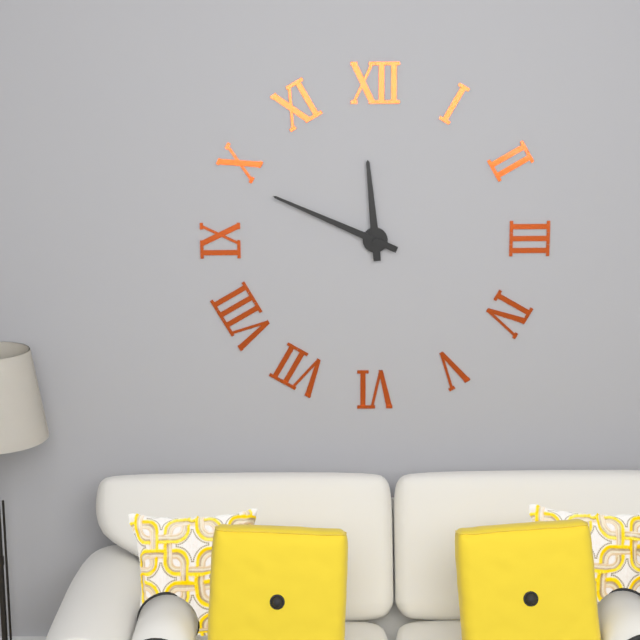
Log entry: 11:49
